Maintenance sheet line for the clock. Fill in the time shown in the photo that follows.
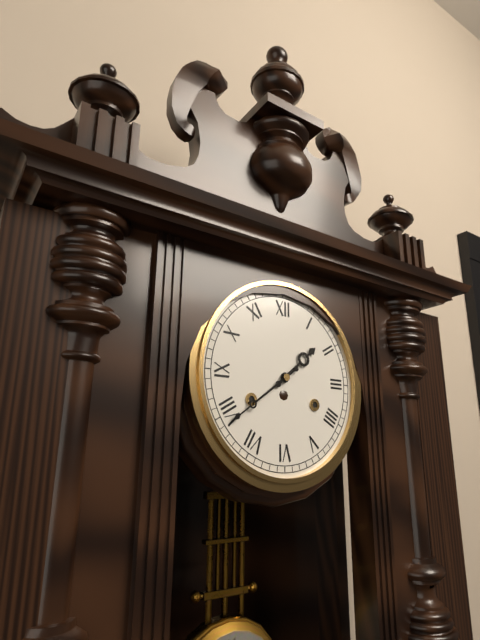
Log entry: 1:39
